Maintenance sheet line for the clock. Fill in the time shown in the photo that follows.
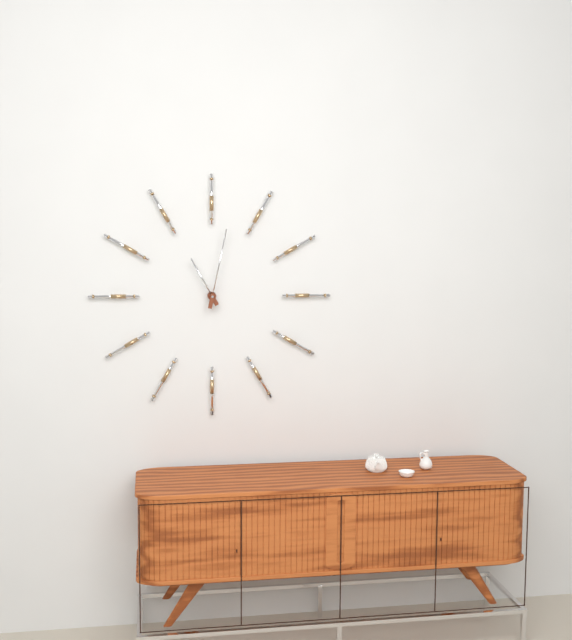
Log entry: 11:02
